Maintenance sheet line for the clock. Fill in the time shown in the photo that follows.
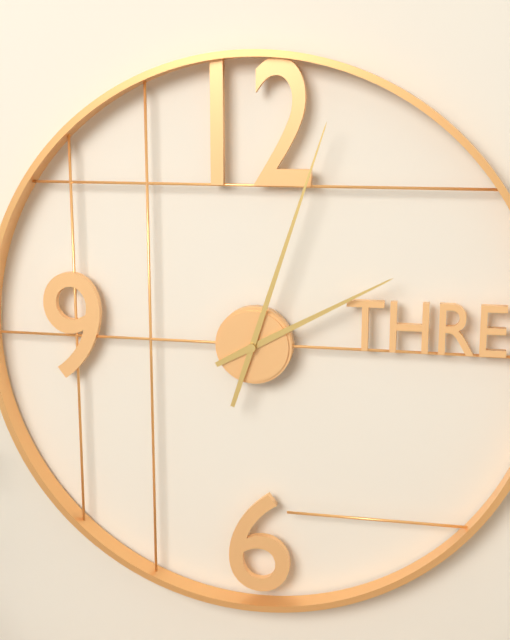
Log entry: 2:03
